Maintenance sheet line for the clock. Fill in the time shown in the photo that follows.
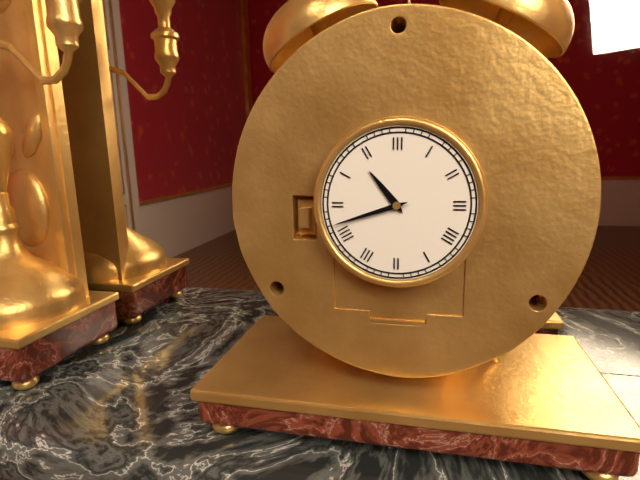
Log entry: 10:42
